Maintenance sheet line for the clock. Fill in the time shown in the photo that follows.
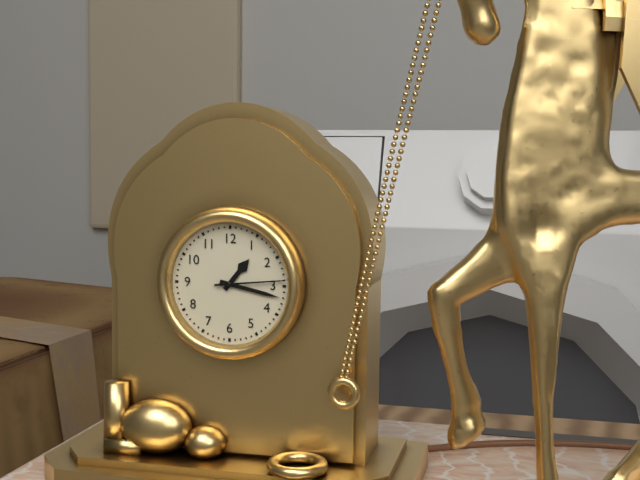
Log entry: 1:17:14
